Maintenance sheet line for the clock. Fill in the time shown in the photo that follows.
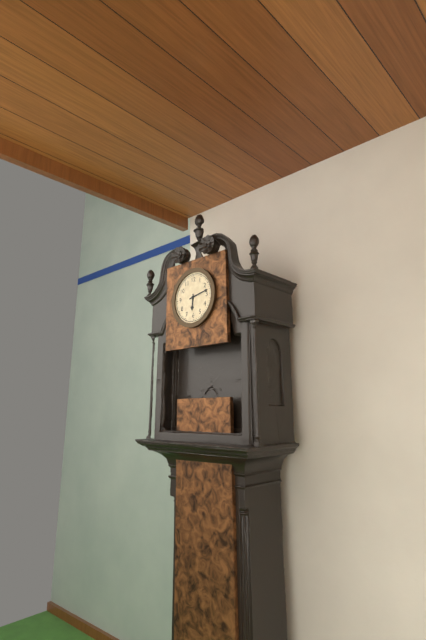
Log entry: 6:13
